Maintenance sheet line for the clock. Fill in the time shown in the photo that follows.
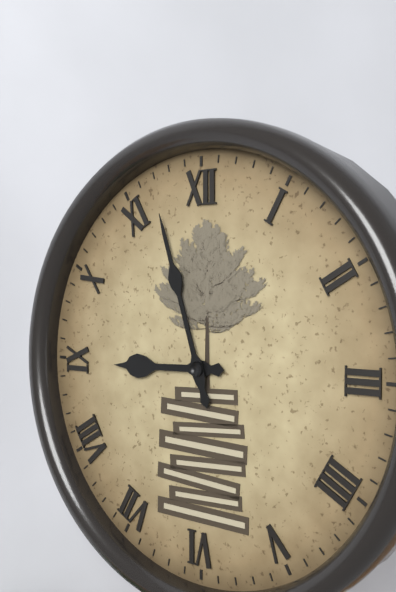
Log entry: 8:57
